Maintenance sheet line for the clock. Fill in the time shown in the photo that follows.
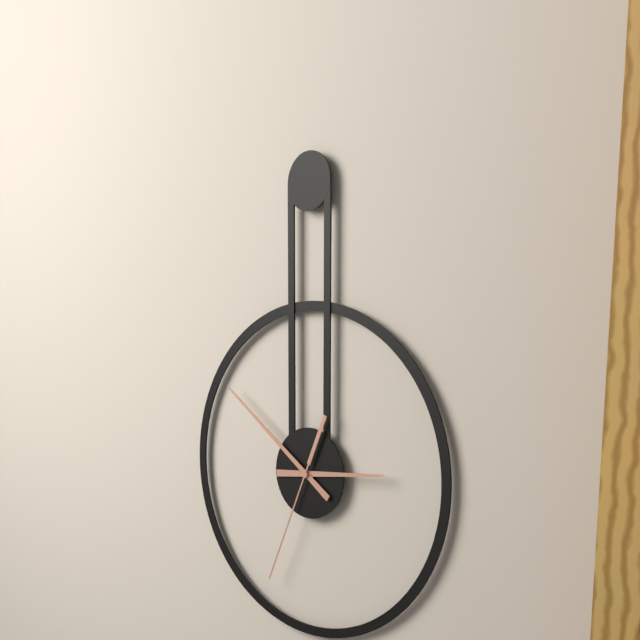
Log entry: 2:51:34
